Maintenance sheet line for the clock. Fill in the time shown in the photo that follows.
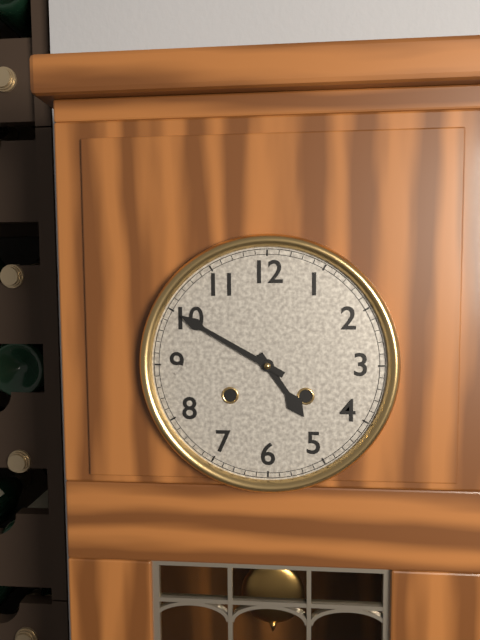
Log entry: 4:50
